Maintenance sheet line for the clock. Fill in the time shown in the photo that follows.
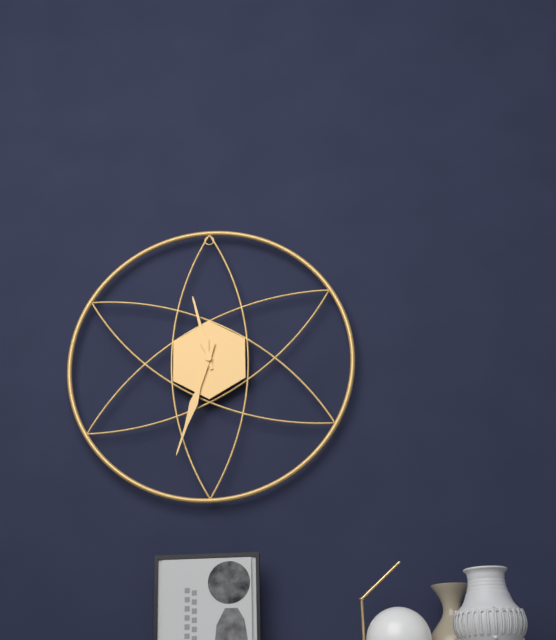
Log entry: 11:33
